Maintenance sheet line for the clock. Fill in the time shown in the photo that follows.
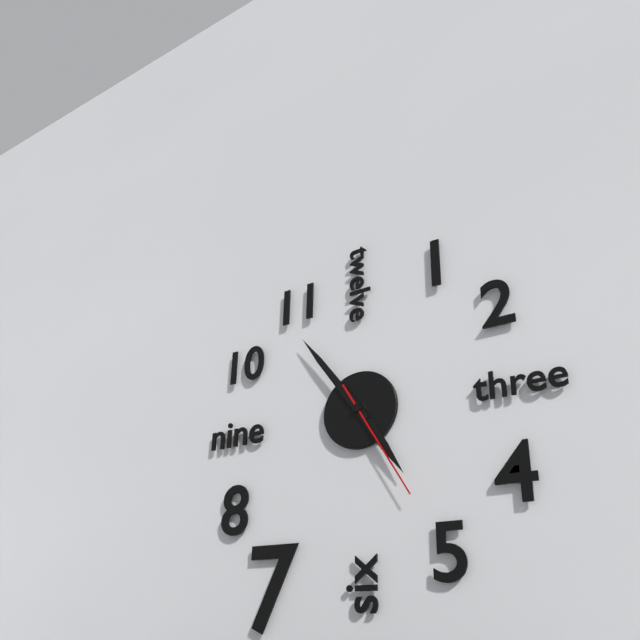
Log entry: 4:54:25
